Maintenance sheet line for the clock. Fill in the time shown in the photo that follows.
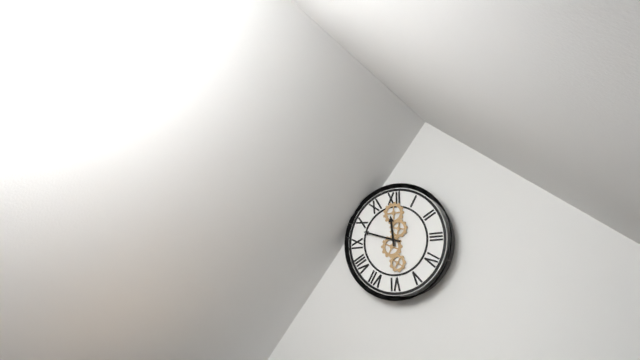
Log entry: 11:48
